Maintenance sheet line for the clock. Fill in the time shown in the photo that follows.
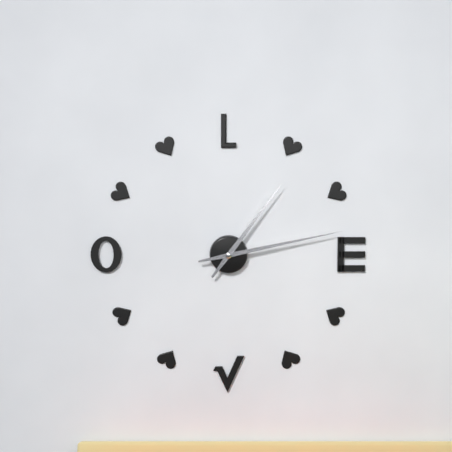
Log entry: 1:13
